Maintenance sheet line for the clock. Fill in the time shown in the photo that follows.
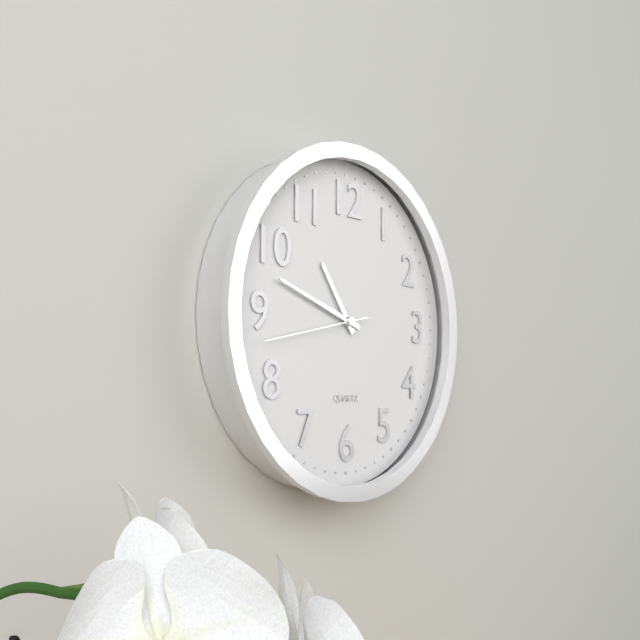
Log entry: 10:48:43
